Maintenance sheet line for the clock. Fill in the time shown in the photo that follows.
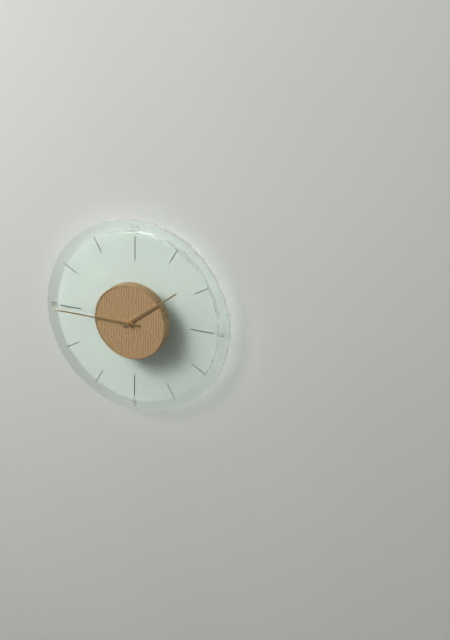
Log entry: 1:45
